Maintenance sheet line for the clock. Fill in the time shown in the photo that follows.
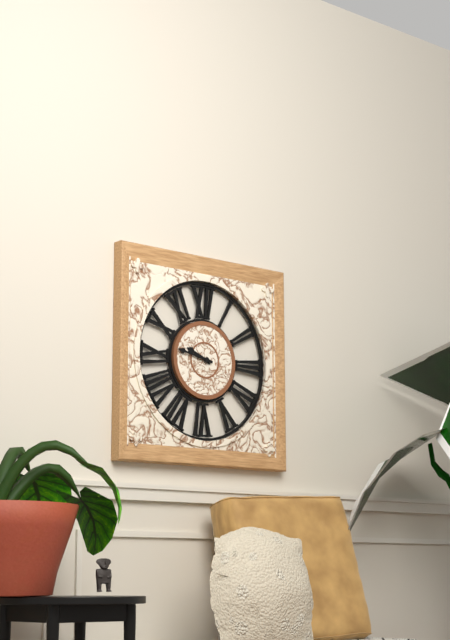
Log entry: 9:47
